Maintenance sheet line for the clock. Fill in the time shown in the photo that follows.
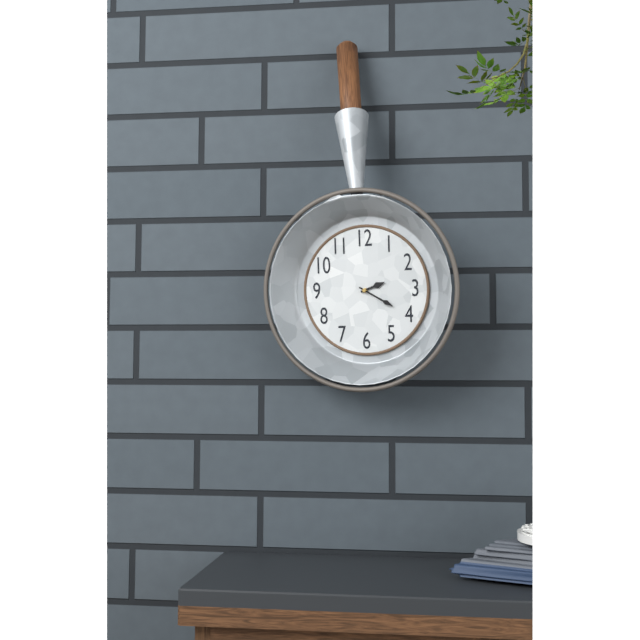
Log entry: 2:20
